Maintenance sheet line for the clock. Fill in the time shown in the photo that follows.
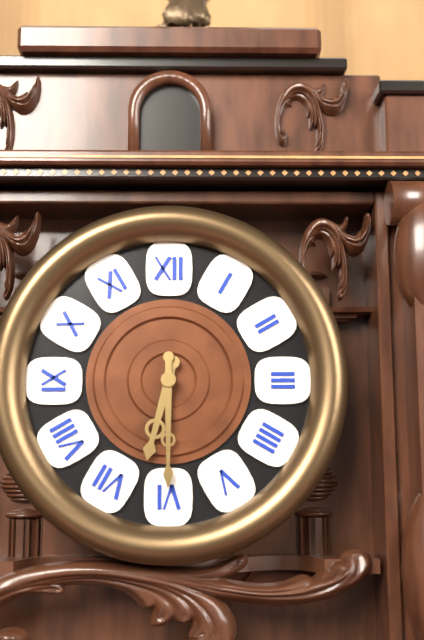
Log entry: 6:30
